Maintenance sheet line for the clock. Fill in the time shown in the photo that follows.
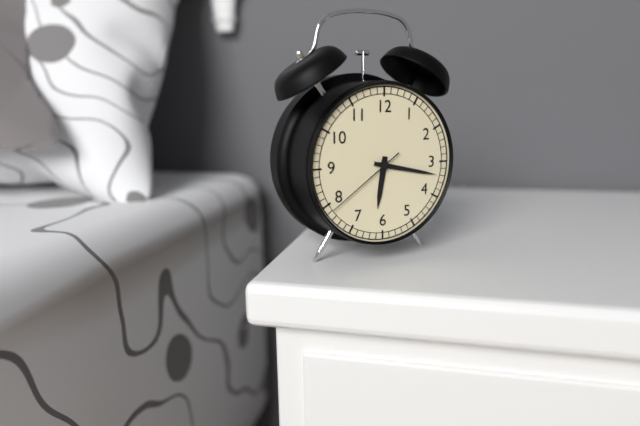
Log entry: 6:17:39
